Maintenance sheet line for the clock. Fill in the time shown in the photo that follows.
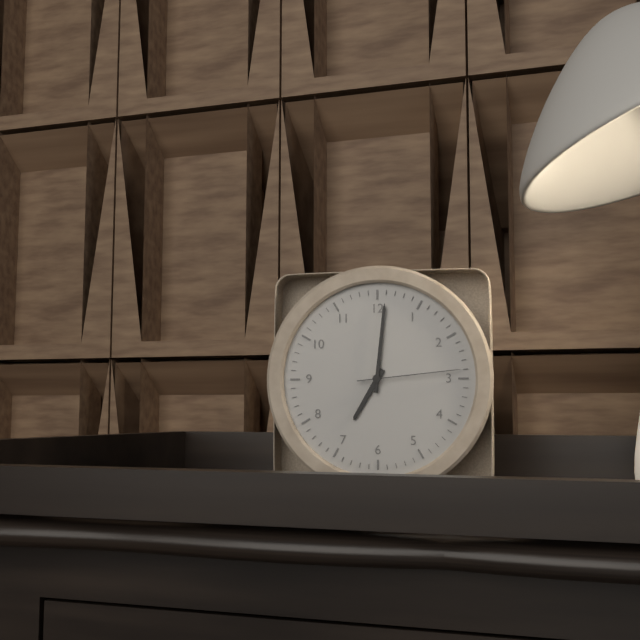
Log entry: 7:01:14
